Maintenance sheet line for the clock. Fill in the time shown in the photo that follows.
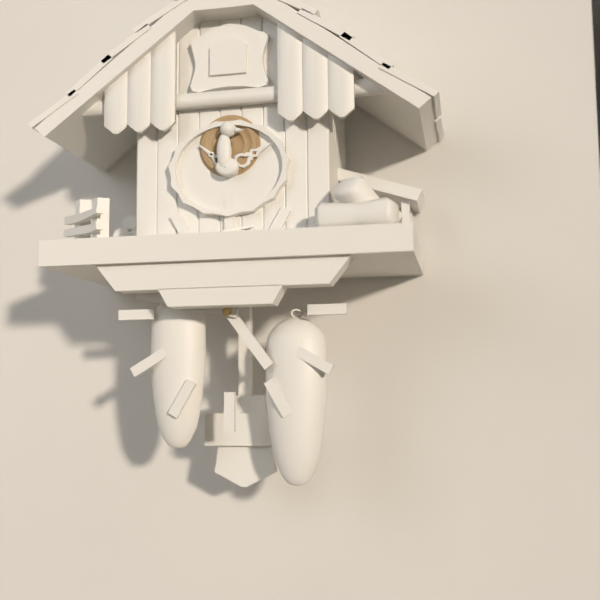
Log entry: 4:47
